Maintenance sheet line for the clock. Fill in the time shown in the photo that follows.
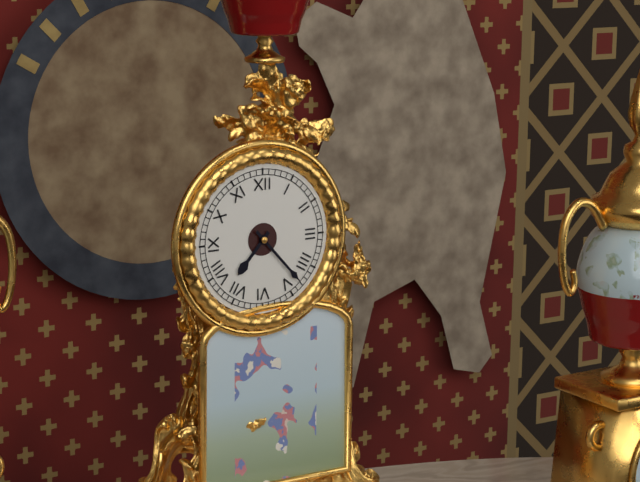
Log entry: 7:23
